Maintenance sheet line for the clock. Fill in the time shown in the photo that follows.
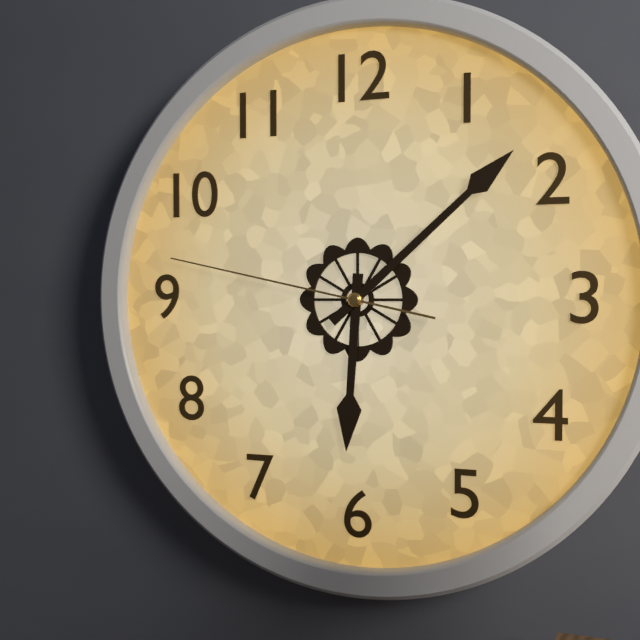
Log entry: 6:08:47
